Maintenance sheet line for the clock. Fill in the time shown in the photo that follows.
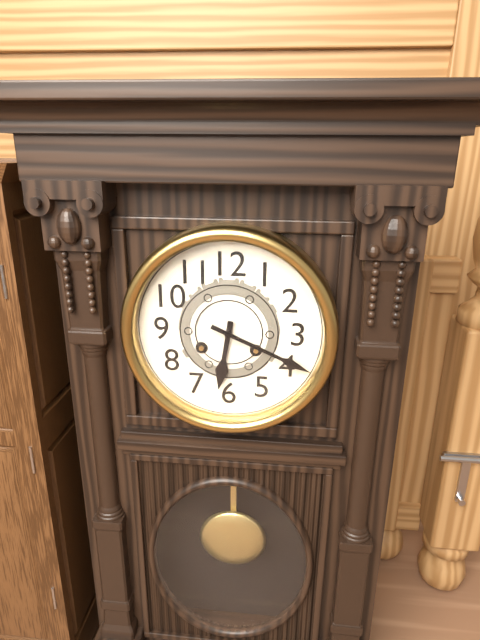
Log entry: 6:19
